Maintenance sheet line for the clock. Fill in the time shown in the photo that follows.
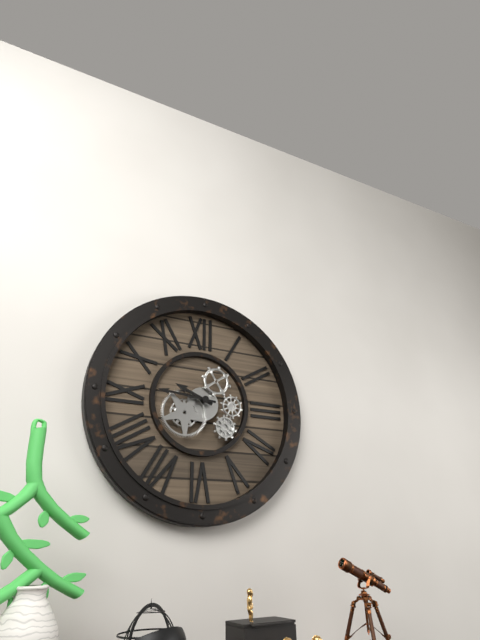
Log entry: 9:46
